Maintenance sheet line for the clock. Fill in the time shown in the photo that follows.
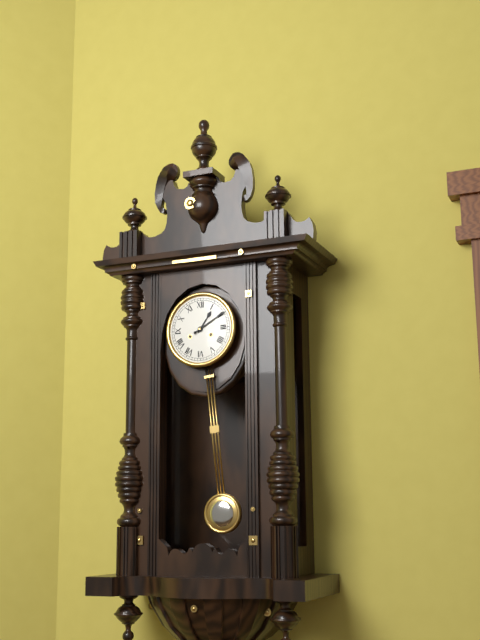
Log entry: 1:10
